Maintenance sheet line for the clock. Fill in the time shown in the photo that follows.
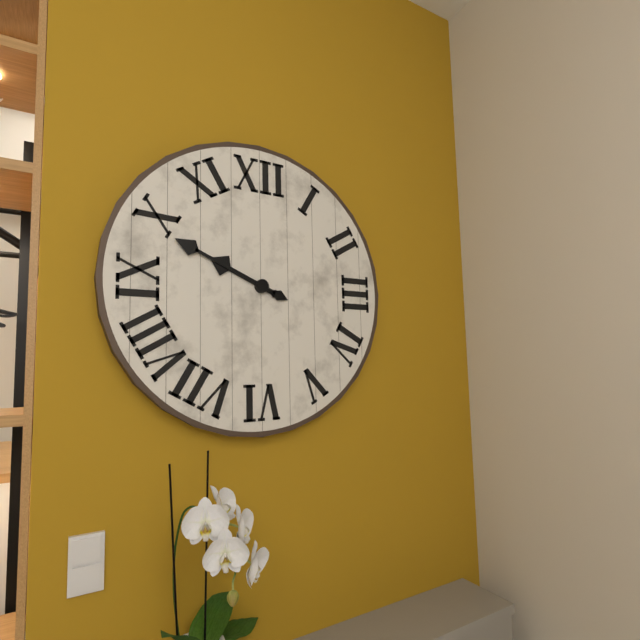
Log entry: 9:49
